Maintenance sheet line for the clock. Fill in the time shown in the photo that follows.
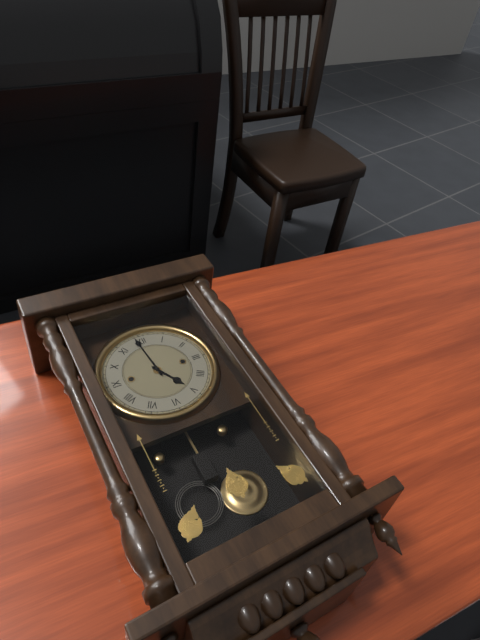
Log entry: 4:59
